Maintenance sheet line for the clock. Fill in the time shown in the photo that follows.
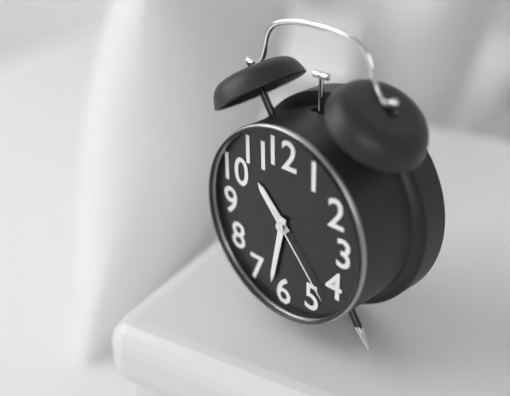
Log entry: 10:32:23
